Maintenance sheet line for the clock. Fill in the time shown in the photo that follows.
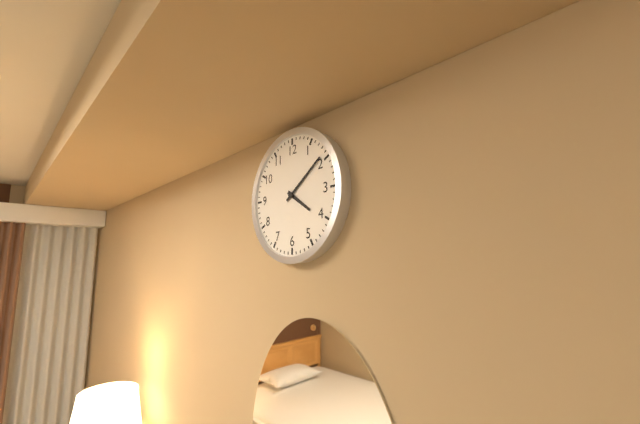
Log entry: 4:09
